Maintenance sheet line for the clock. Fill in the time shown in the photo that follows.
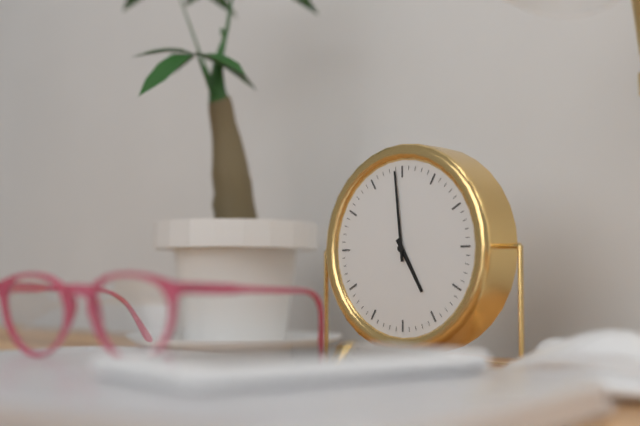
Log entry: 4:59
